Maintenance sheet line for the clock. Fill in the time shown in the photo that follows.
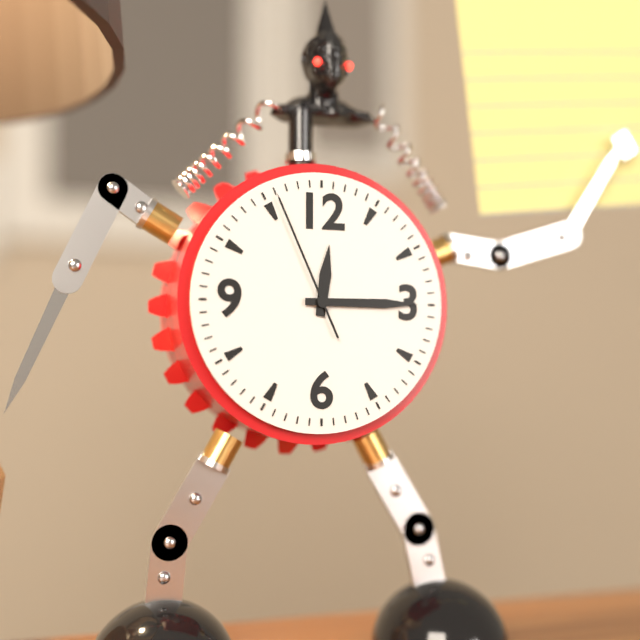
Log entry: 12:15:56
